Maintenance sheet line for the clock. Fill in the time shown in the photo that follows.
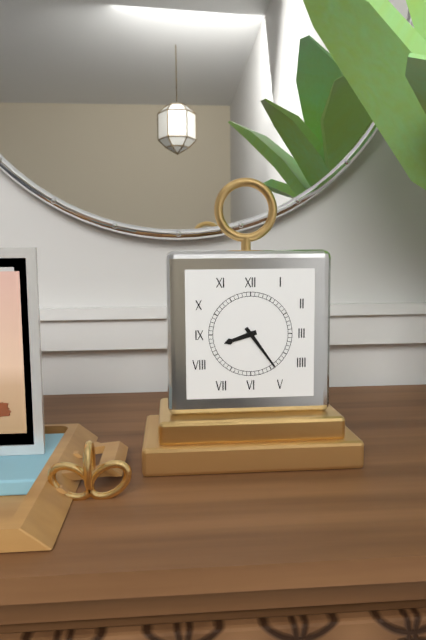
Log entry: 8:24
